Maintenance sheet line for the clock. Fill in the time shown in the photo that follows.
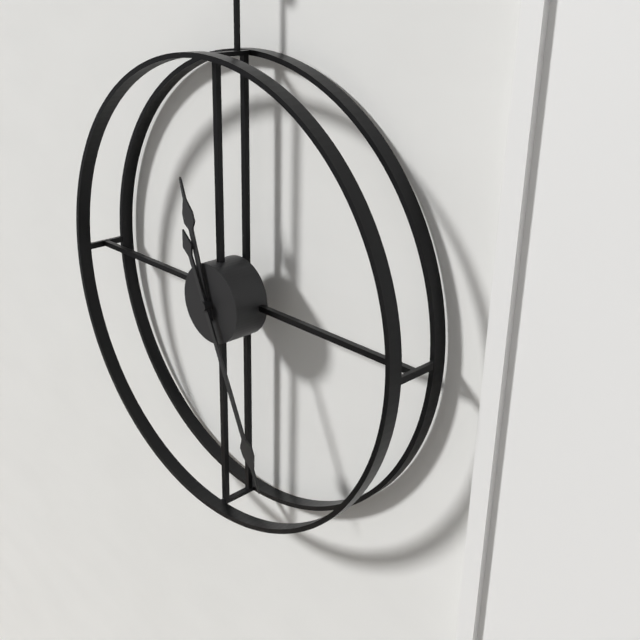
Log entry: 11:26
